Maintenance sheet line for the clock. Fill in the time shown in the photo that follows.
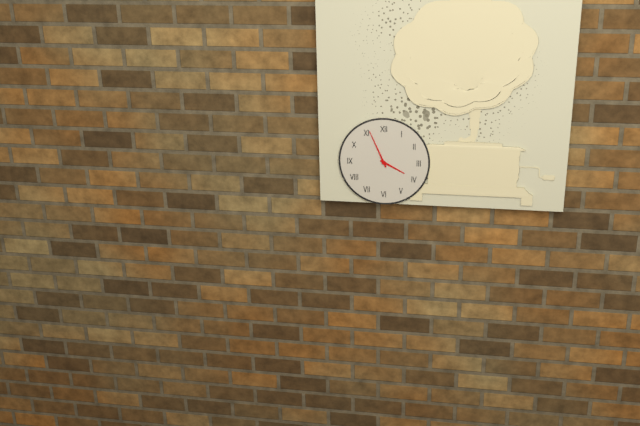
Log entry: 3:56
